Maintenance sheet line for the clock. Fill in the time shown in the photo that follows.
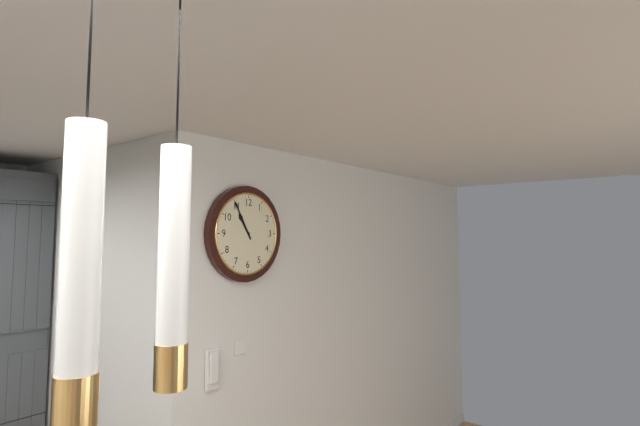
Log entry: 10:55
